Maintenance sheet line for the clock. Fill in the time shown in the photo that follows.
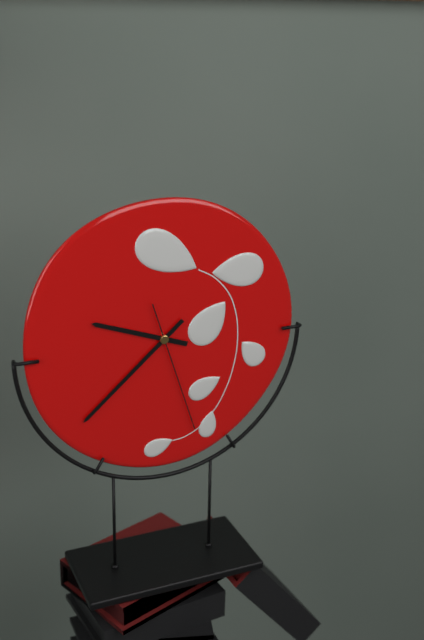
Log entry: 9:38:27
